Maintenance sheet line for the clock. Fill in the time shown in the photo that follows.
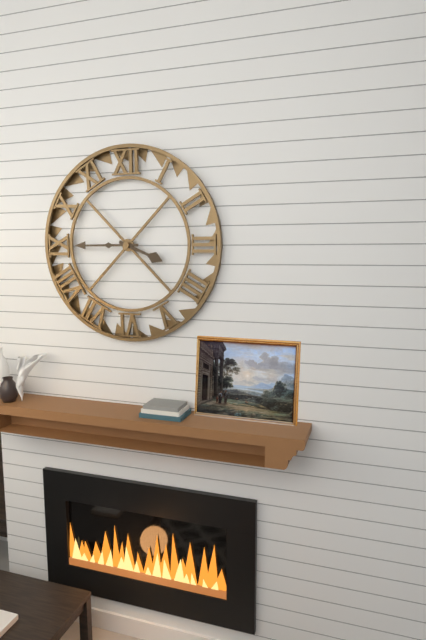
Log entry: 3:45
